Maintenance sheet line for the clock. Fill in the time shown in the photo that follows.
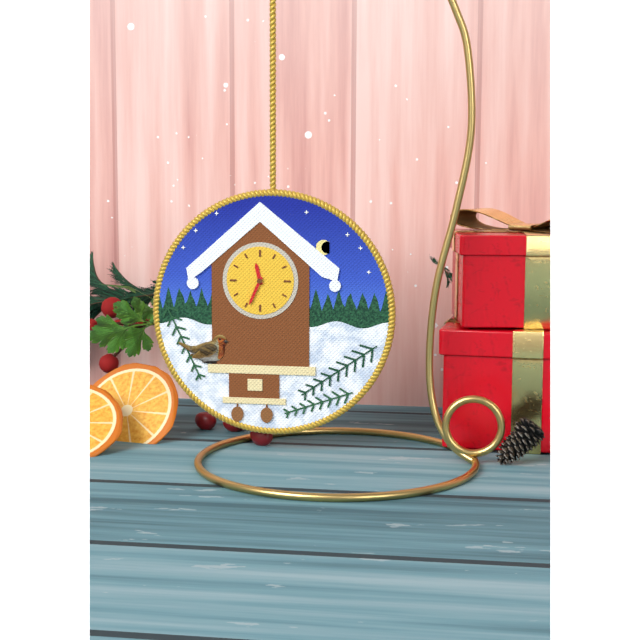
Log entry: 11:34
